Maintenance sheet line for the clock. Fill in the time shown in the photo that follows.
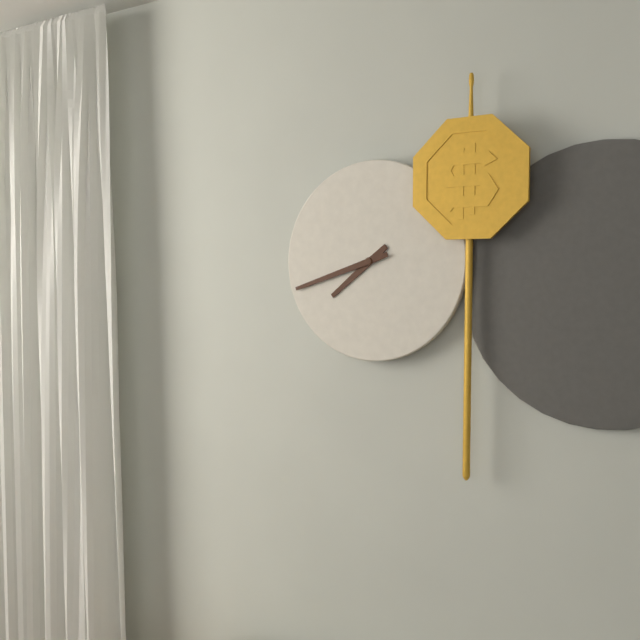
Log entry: 7:42
